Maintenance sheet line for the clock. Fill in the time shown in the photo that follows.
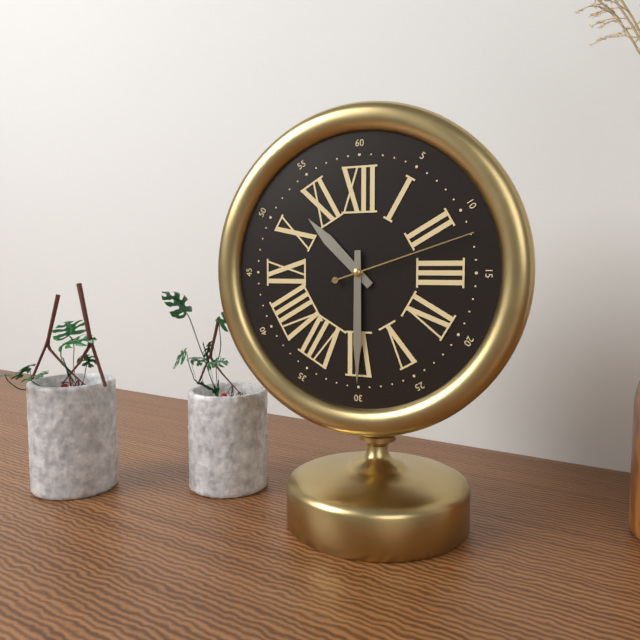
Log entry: 10:30:12
